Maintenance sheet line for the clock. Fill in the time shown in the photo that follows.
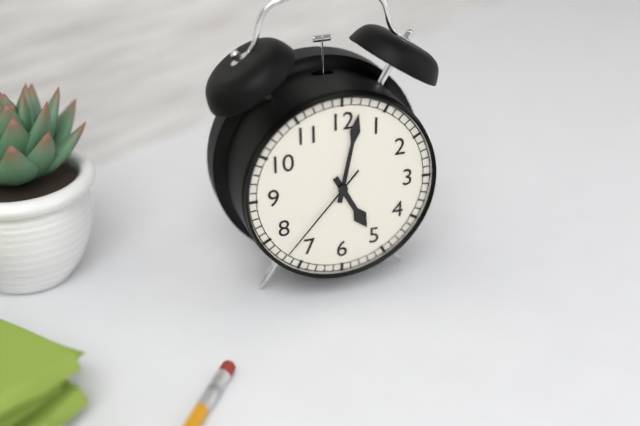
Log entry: 5:02:37
